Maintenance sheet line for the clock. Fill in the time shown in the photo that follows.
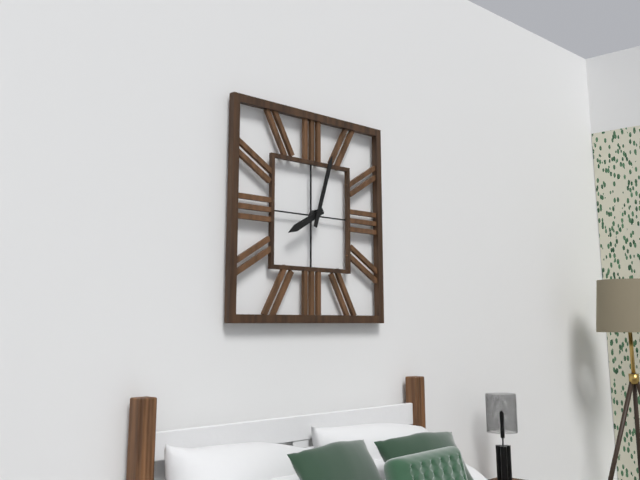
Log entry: 8:03
